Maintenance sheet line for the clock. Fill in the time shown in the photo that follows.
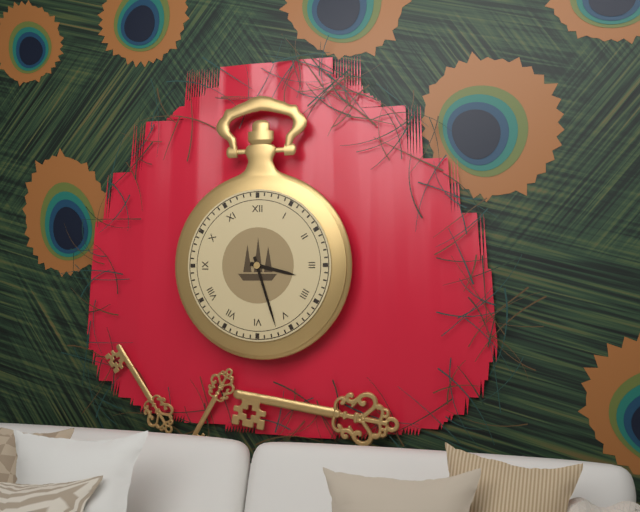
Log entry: 3:27
